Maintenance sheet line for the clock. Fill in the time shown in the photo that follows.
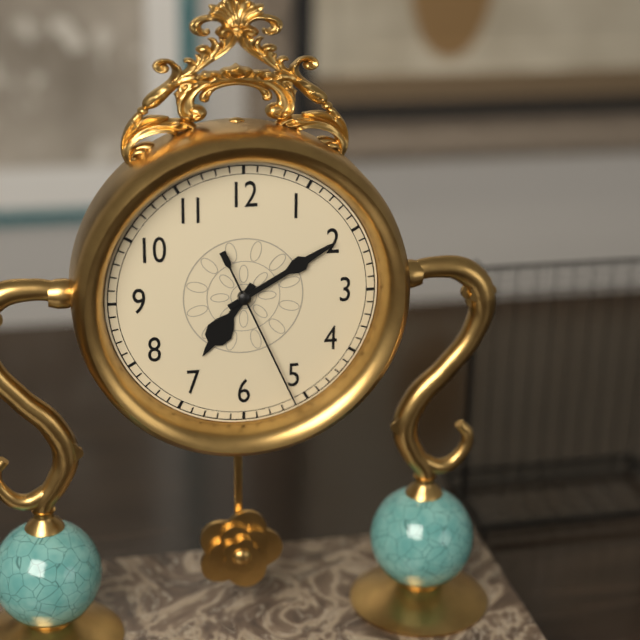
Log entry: 7:10:26
